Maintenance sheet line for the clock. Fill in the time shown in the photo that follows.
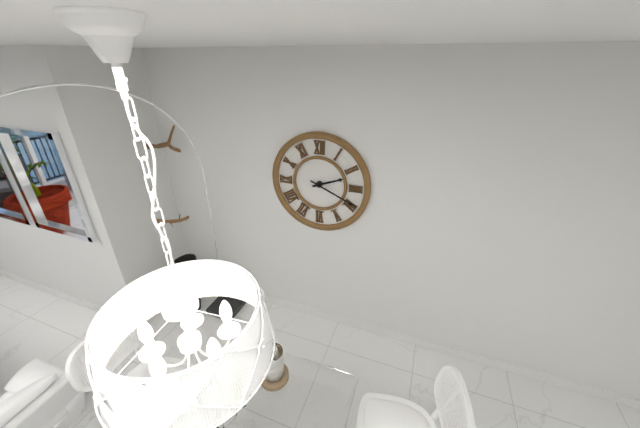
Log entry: 2:19
